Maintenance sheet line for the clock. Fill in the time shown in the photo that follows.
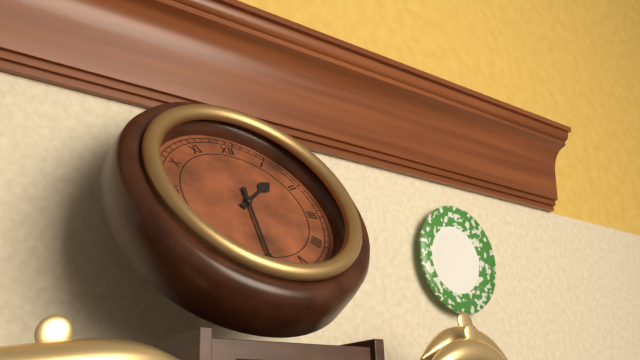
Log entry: 1:30
